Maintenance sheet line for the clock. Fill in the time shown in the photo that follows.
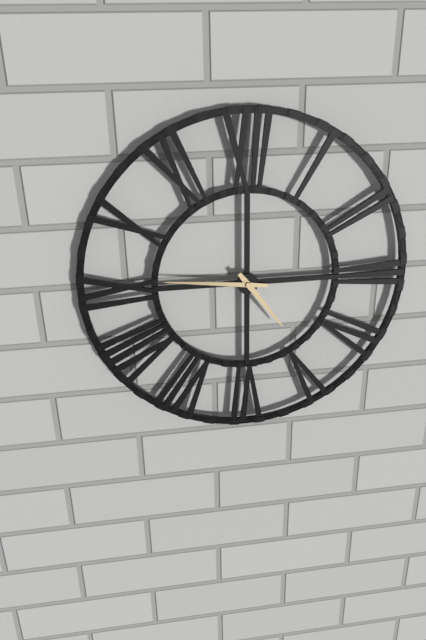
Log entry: 4:46
